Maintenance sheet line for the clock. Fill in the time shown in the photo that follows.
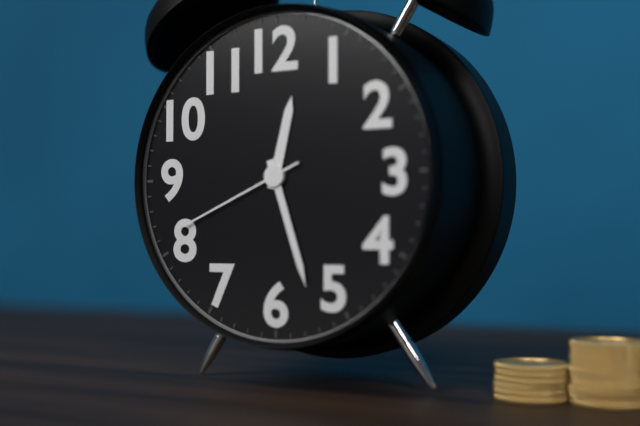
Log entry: 12:27:41
